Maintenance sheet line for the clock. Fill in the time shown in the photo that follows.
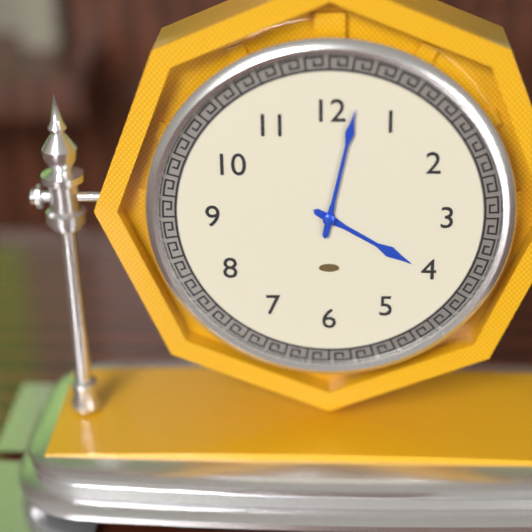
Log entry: 4:02
